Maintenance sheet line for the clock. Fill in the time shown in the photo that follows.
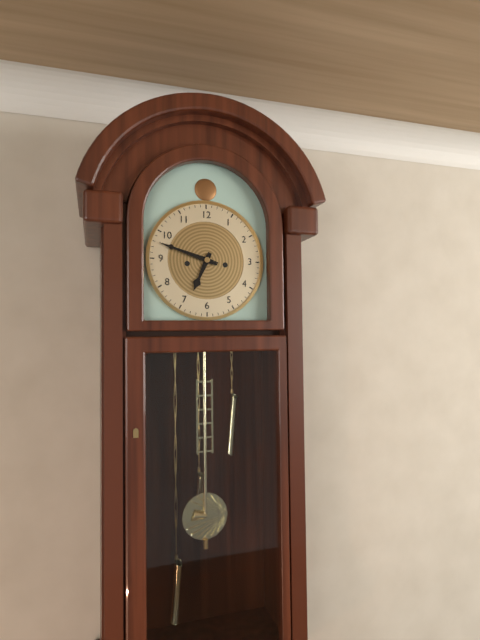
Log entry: 6:48
